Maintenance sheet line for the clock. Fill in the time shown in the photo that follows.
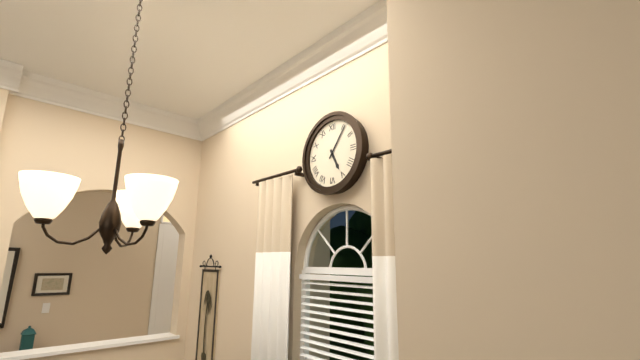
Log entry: 5:06
